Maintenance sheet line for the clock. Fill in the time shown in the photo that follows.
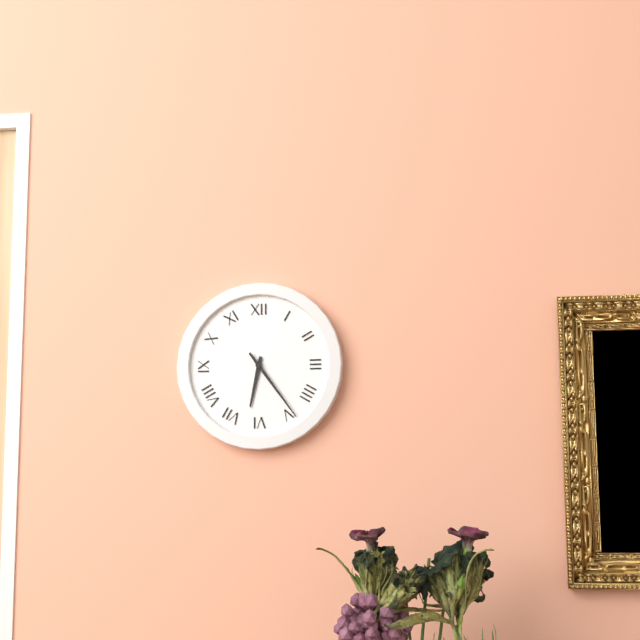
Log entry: 6:24
